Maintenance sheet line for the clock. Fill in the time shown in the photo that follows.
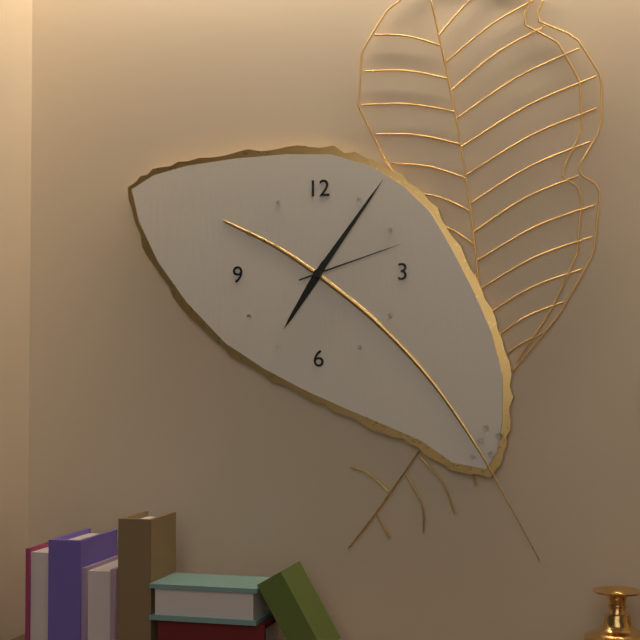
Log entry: 7:06:12
